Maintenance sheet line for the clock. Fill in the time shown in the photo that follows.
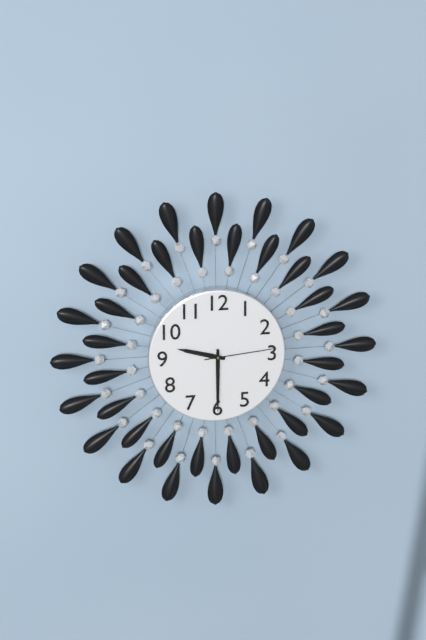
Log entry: 9:30:14
